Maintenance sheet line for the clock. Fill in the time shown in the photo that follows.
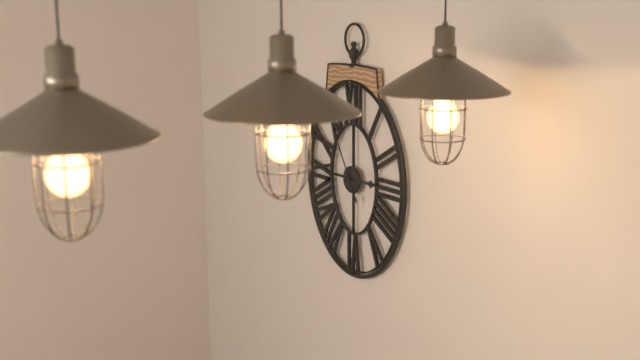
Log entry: 2:55
